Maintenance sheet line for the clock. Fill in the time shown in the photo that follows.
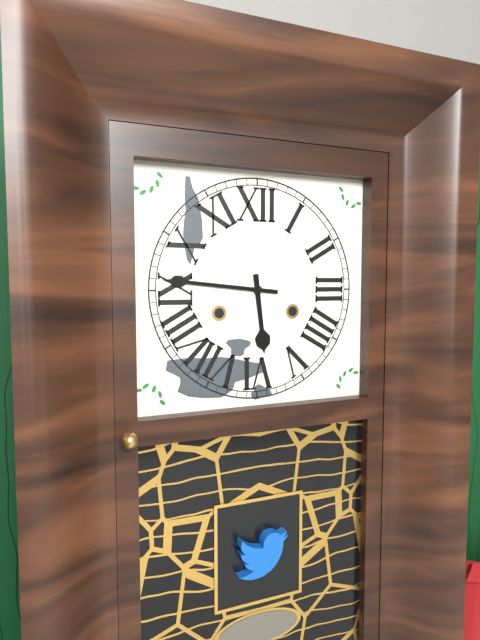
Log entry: 5:46
